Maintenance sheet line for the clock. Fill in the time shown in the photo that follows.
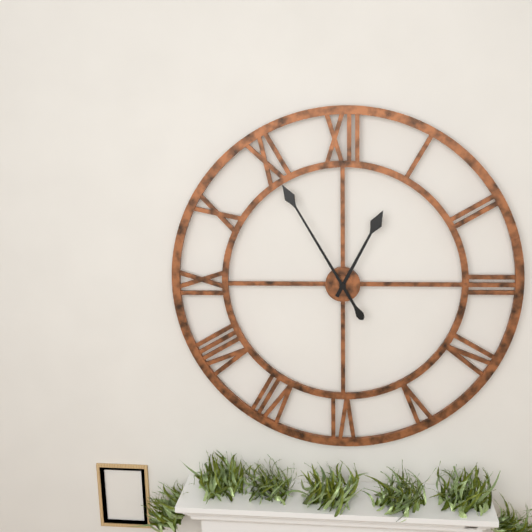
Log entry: 12:55
